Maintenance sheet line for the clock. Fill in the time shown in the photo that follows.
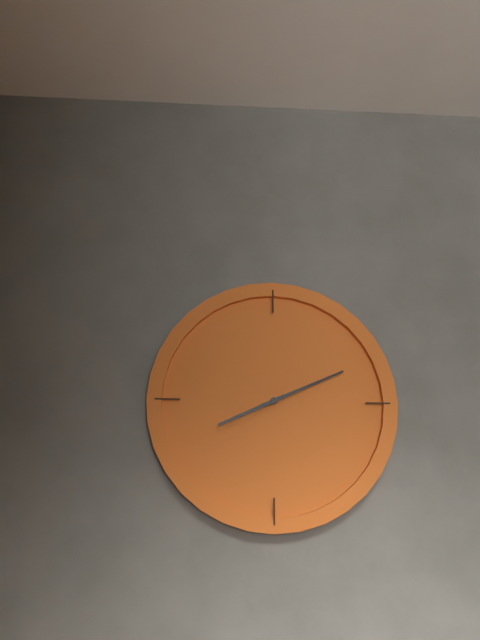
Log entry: 8:11
